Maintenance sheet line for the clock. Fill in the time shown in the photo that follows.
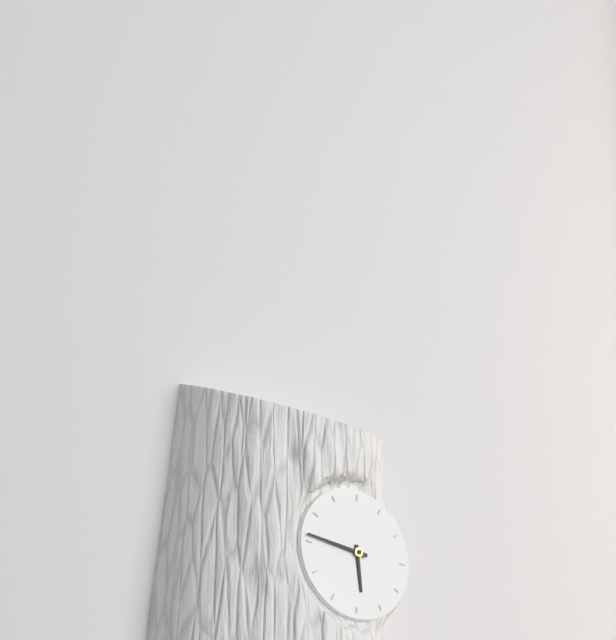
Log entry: 5:46
